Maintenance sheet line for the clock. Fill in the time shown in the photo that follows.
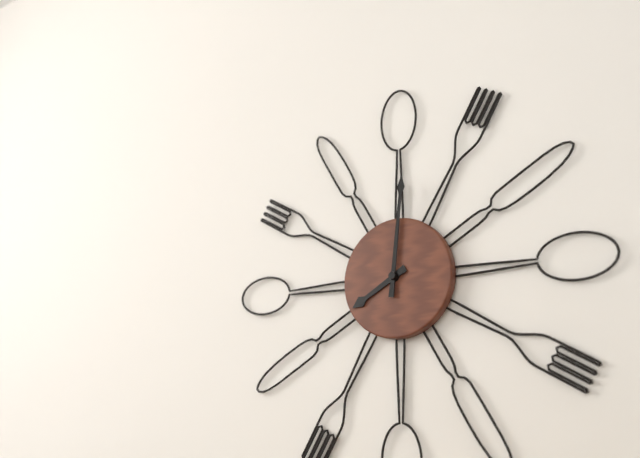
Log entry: 8:01
